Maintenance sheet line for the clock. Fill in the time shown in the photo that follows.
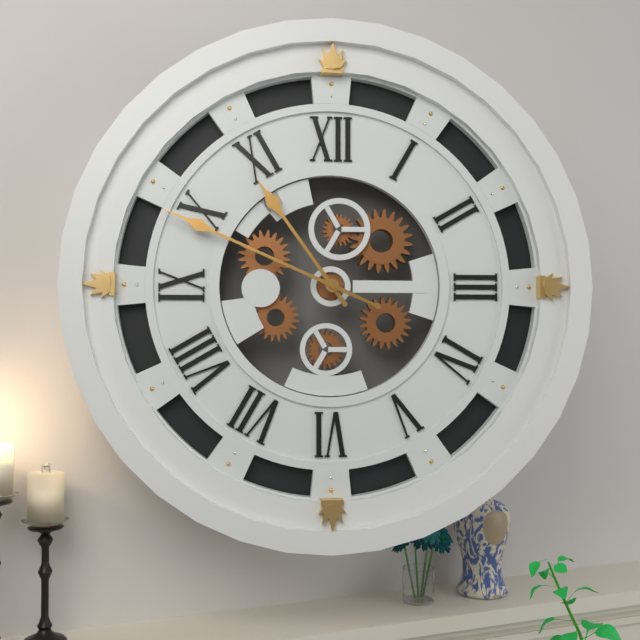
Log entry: 10:49
